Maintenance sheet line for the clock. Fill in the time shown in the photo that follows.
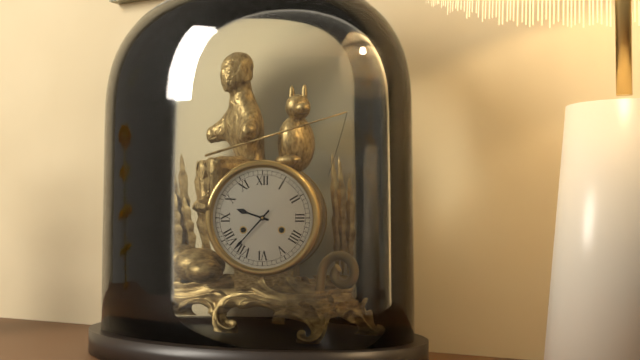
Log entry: 9:37
